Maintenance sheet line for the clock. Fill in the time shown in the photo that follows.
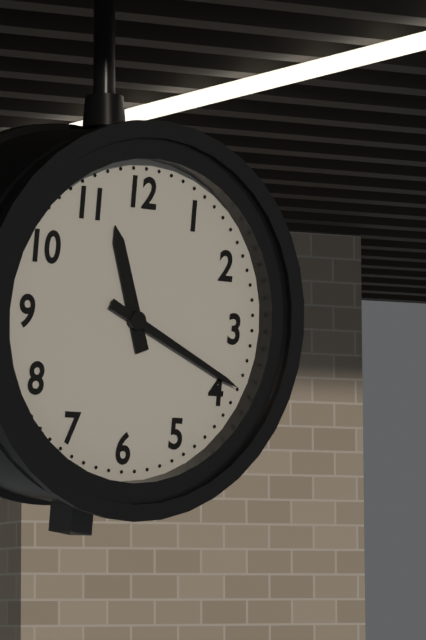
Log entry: 11:19
